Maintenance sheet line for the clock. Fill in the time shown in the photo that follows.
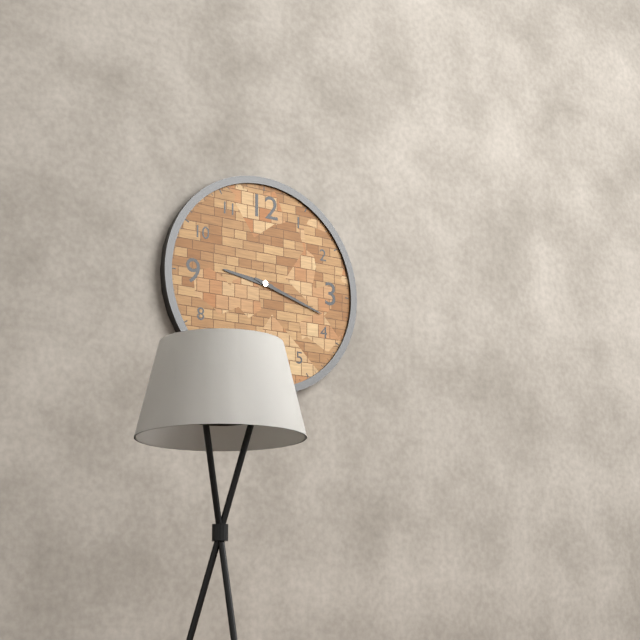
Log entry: 9:18
